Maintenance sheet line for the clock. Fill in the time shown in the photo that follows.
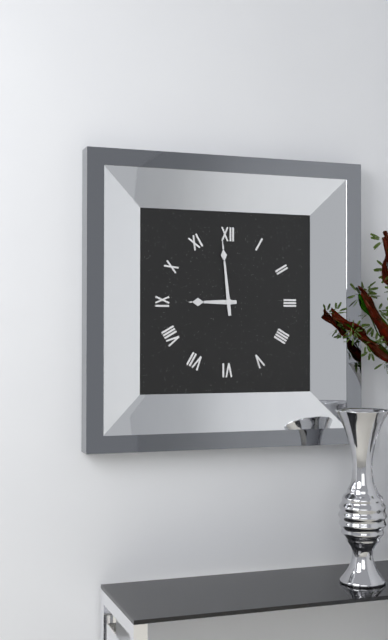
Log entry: 8:59
